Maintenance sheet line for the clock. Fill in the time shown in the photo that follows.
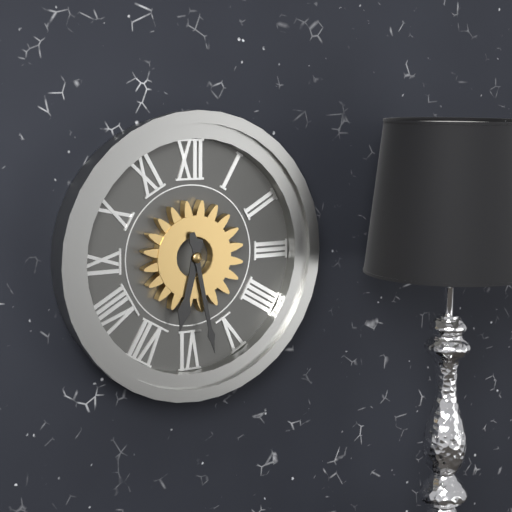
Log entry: 6:28
